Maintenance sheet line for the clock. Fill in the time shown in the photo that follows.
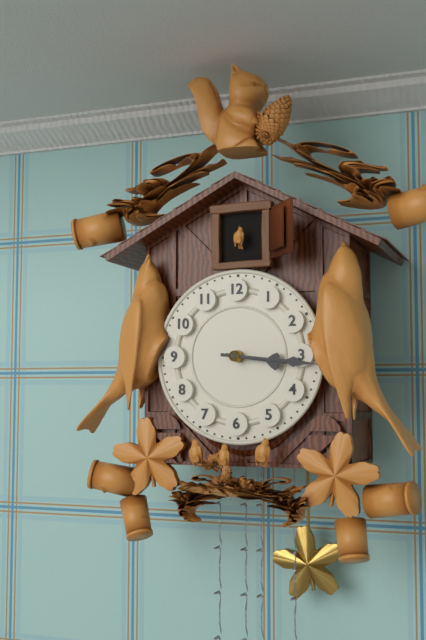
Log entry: 3:16
